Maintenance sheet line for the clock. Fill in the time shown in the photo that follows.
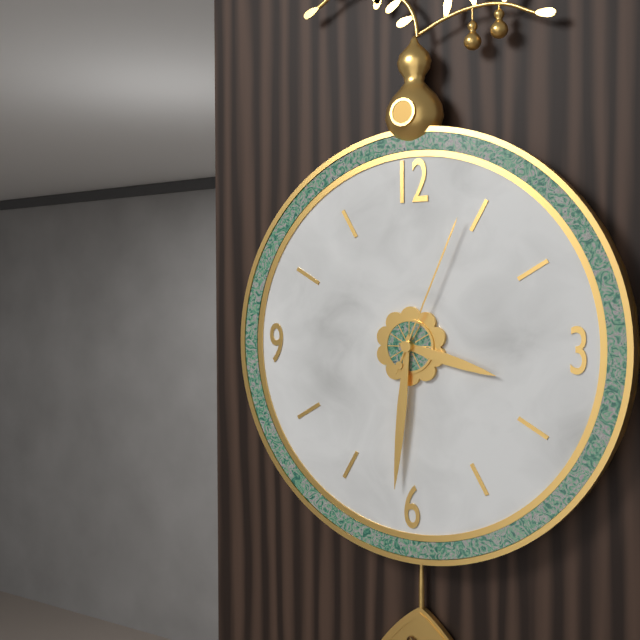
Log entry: 3:31:04
